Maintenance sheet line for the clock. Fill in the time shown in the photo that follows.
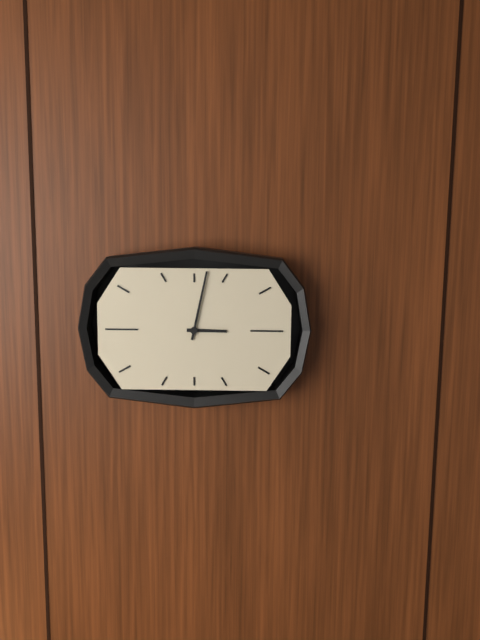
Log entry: 3:02
